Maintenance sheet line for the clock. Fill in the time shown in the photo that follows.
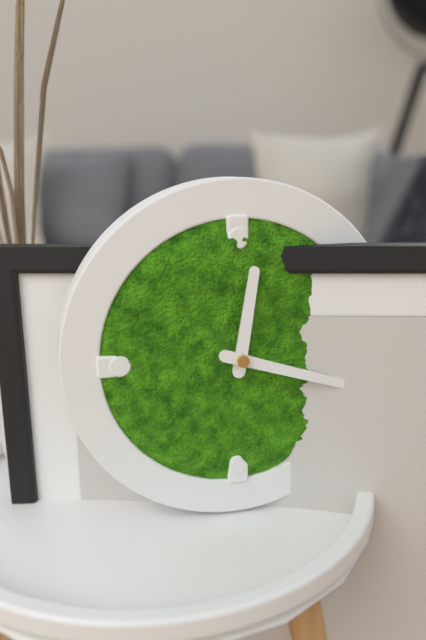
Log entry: 12:18
